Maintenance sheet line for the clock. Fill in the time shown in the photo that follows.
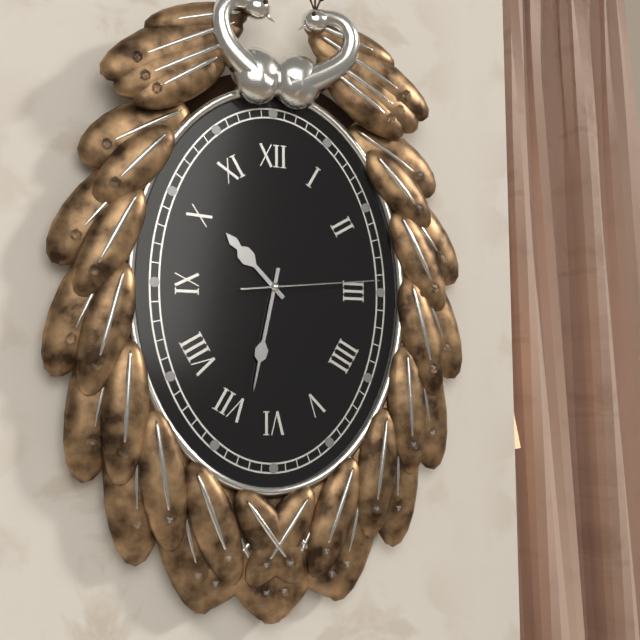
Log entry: 10:32:14
